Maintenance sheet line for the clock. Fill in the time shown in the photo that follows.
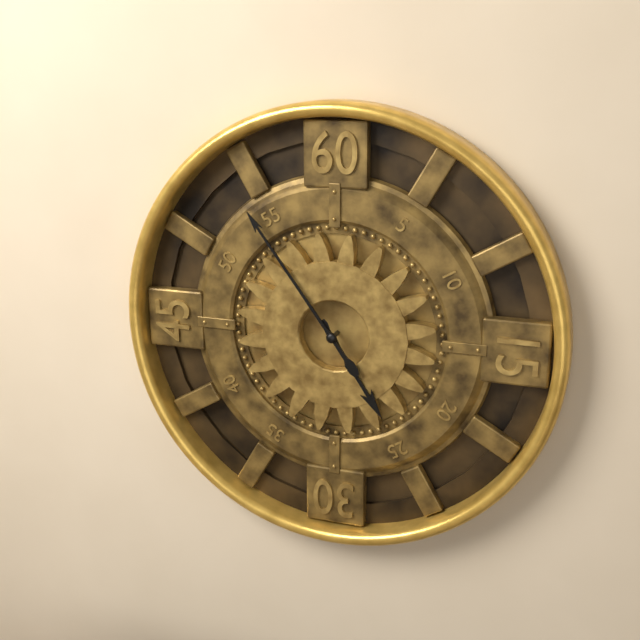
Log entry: 4:54
